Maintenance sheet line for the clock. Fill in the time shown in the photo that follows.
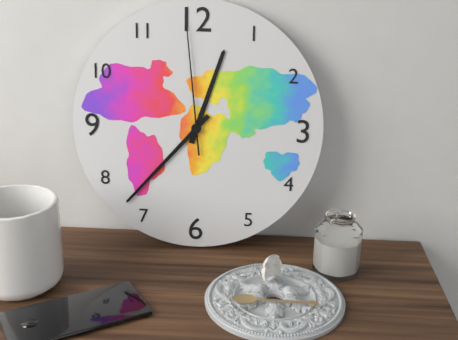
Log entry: 12:37:59
